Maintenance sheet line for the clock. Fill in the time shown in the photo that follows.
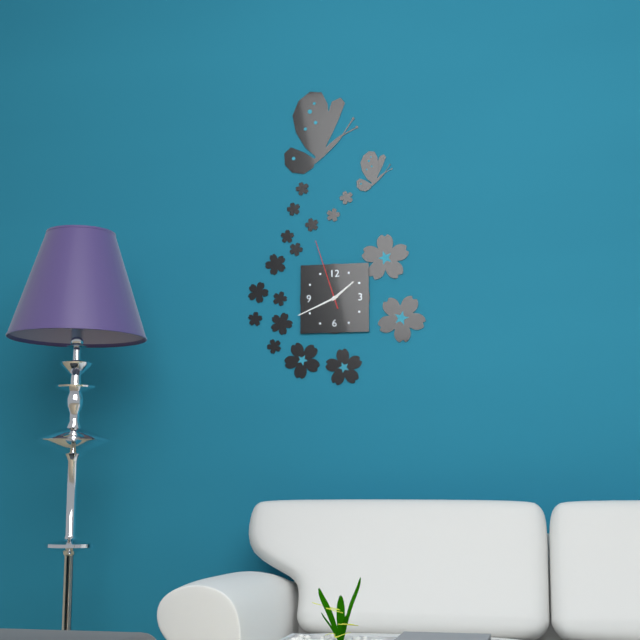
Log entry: 1:41:57
